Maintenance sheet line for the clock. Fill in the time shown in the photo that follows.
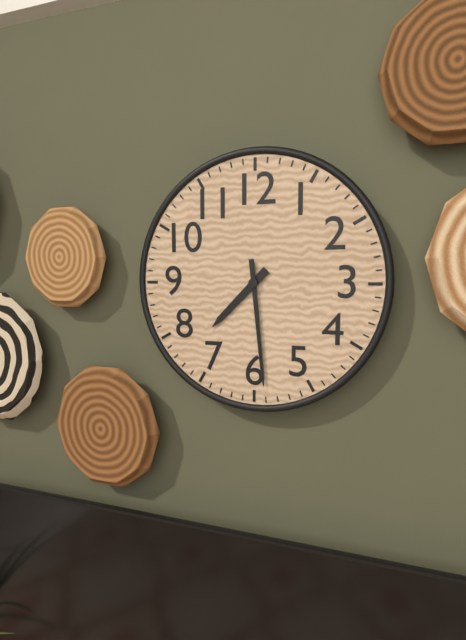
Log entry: 7:29
